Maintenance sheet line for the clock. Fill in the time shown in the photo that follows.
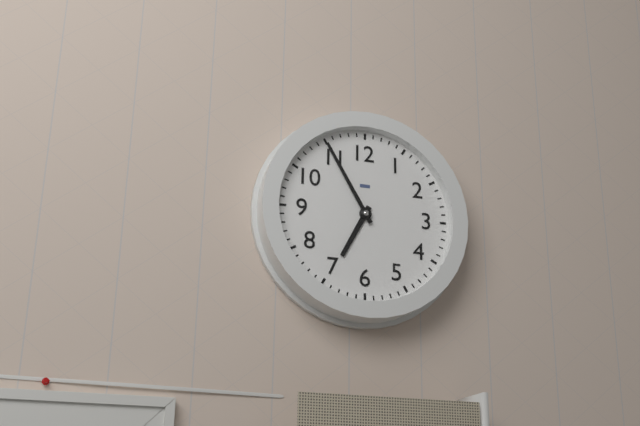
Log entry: 6:55
